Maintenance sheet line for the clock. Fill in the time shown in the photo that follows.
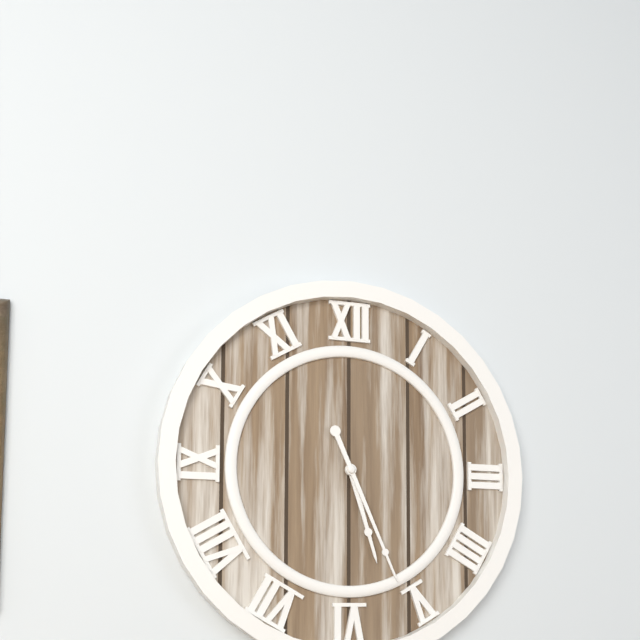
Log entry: 5:26
